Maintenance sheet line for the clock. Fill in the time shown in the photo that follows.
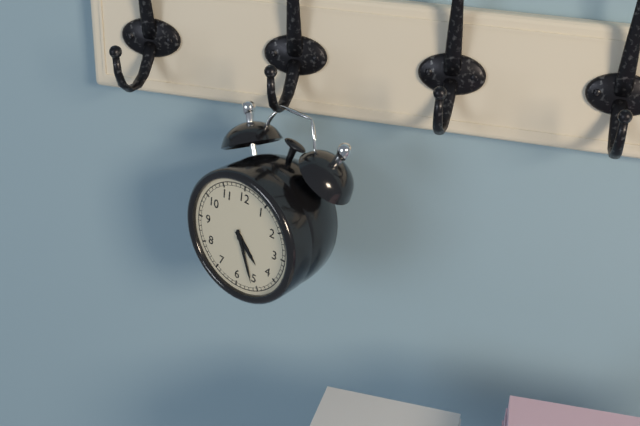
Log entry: 4:26
